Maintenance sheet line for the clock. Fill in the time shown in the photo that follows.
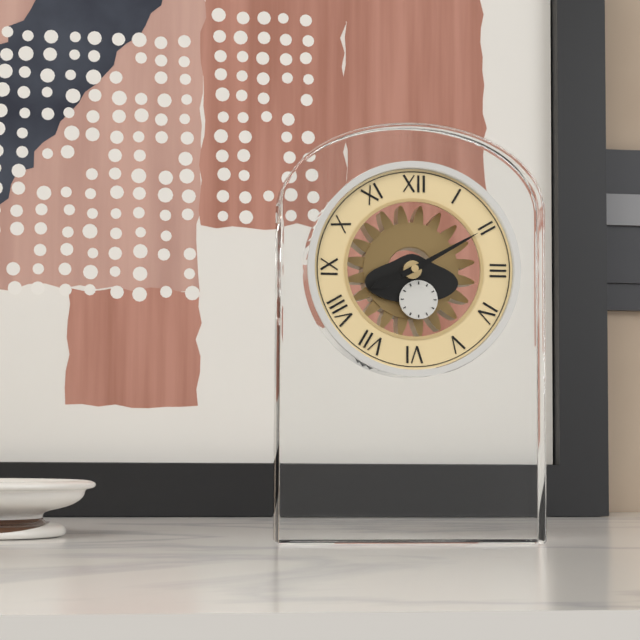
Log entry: 8:10
